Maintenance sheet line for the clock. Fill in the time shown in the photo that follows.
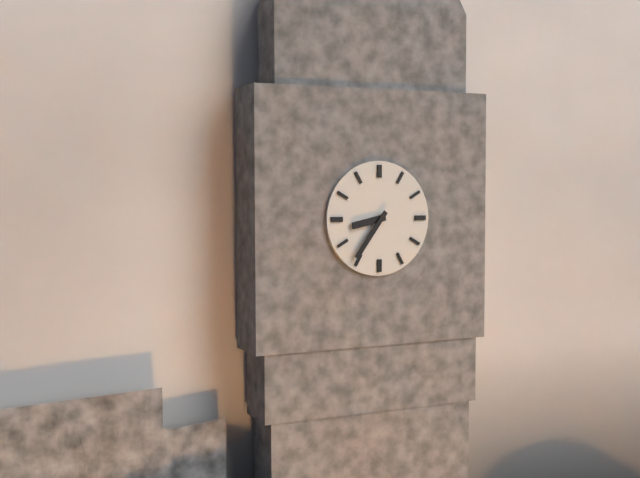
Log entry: 8:36
